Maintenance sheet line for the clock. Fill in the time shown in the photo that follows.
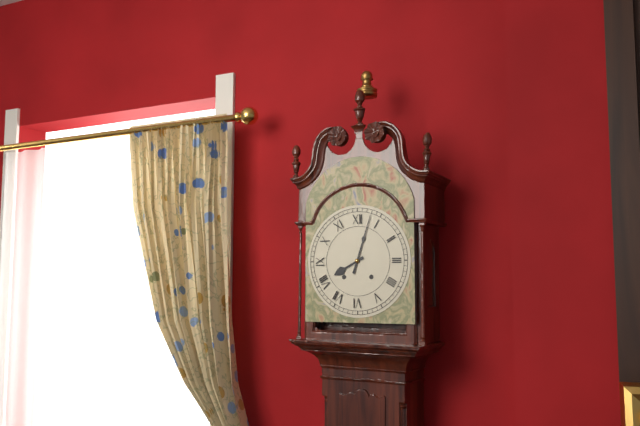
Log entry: 8:03
